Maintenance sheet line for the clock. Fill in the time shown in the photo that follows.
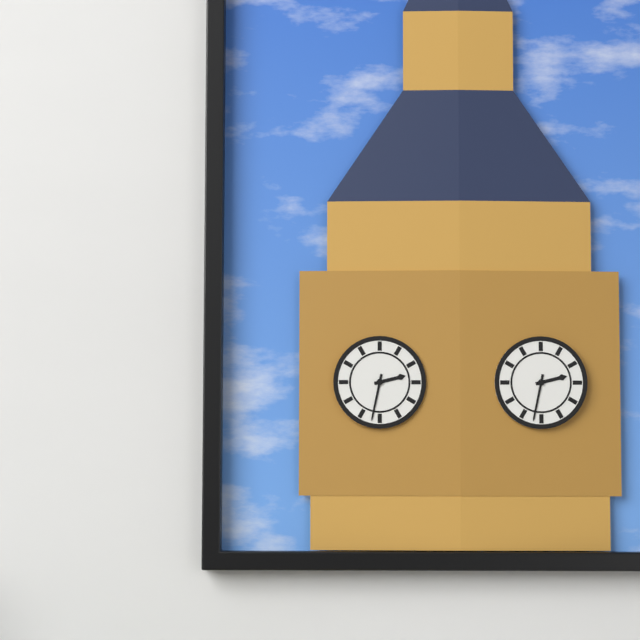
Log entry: 2:32
